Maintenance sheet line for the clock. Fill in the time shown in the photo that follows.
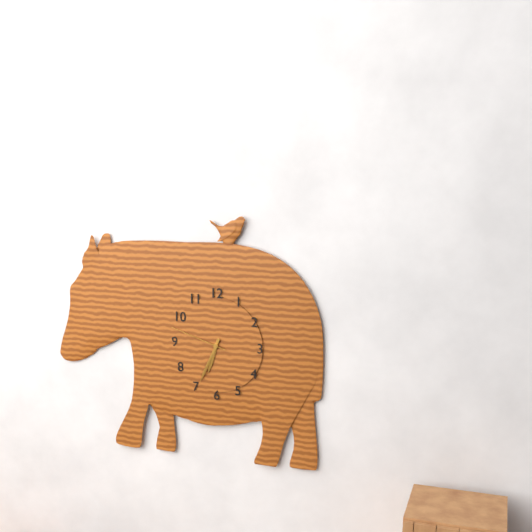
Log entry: 6:34:48
